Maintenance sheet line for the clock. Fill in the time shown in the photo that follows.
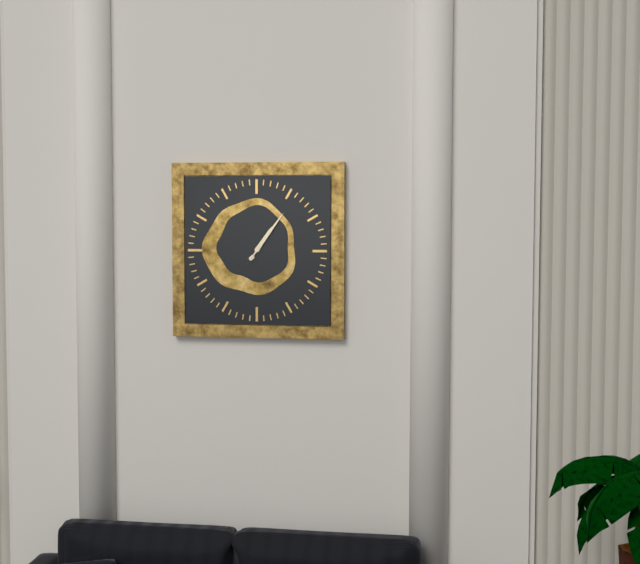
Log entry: 1:06
